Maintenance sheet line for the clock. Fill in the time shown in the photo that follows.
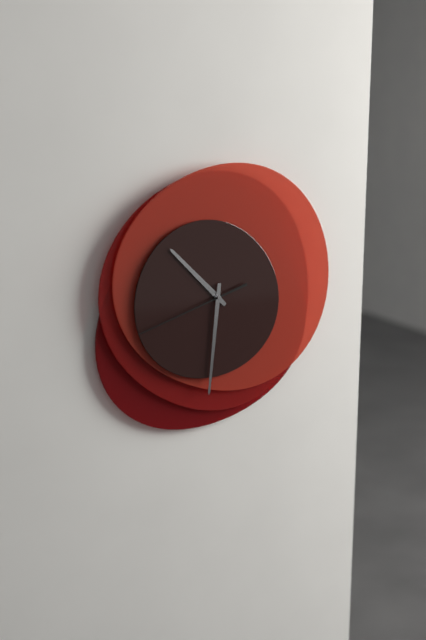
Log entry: 10:31:42
